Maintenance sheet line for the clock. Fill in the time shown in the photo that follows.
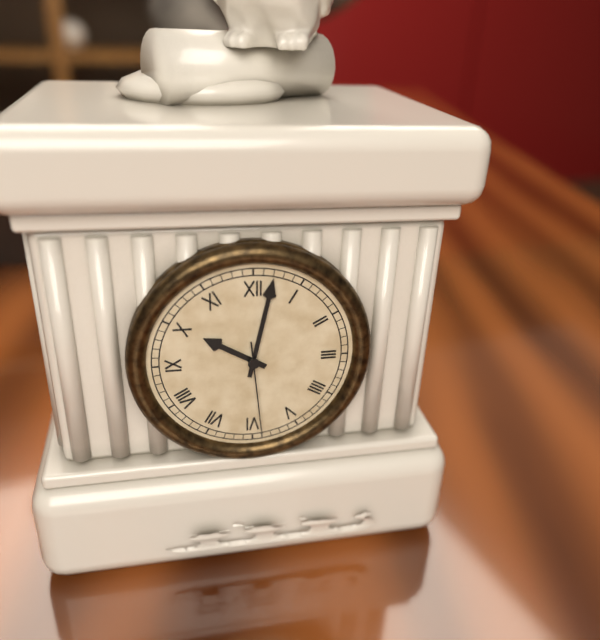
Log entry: 10:02:29
